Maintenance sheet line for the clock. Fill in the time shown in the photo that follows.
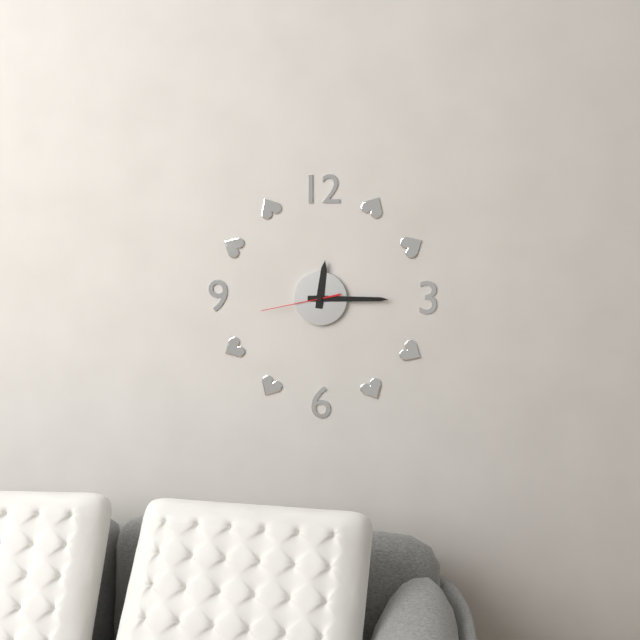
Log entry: 12:15:43
